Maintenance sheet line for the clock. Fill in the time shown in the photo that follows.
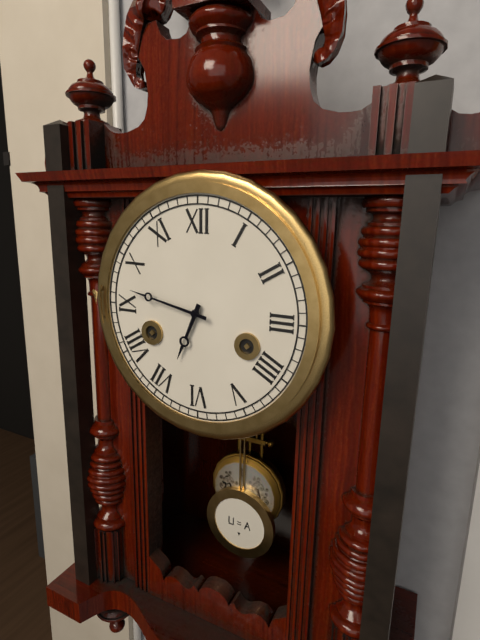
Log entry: 6:47
